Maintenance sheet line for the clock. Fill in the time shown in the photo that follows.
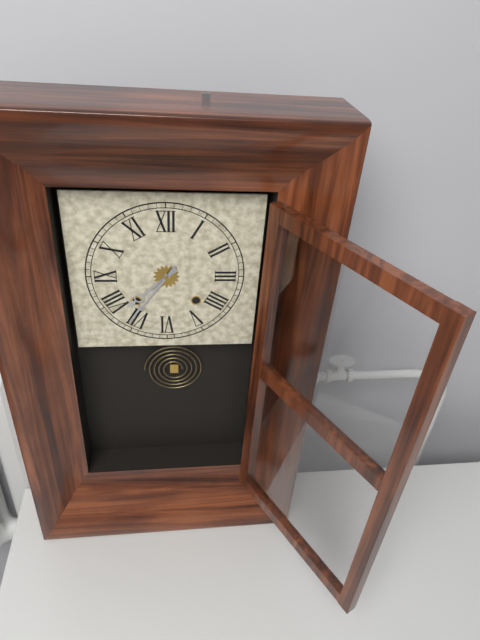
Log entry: 7:36
